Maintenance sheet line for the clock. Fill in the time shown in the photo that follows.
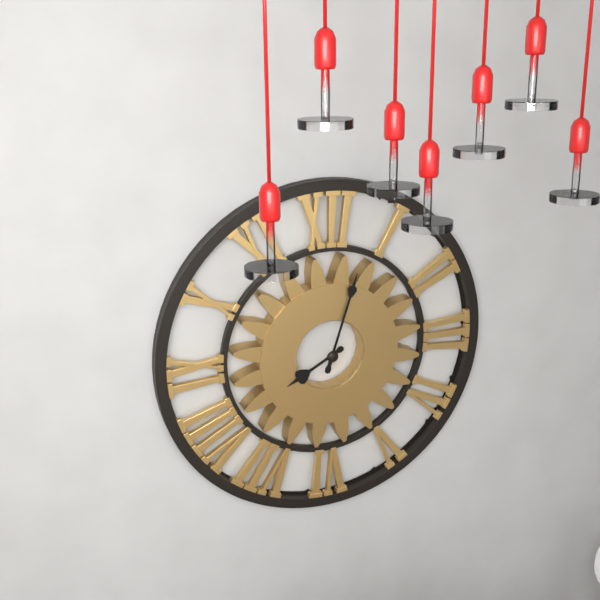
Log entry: 8:03
